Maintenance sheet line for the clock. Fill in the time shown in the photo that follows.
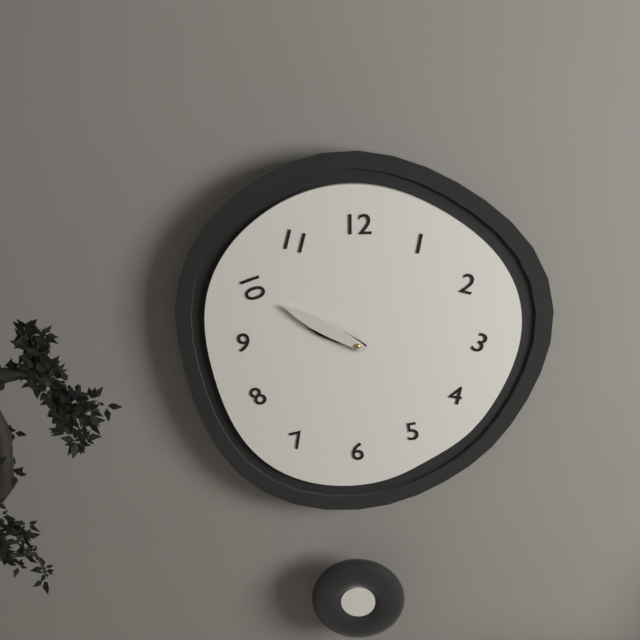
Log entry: 9:50
